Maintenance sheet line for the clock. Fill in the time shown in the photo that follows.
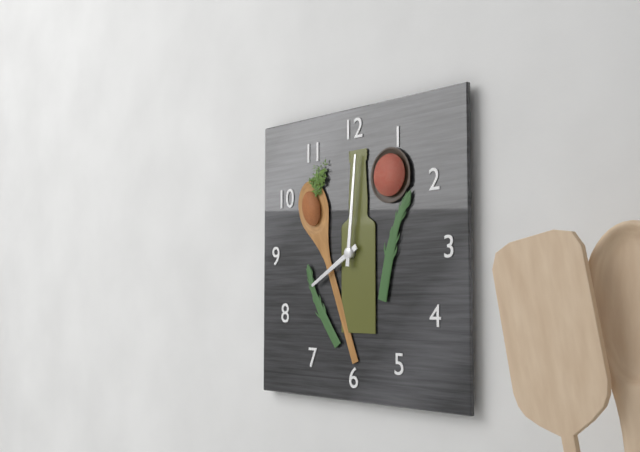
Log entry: 8:01
